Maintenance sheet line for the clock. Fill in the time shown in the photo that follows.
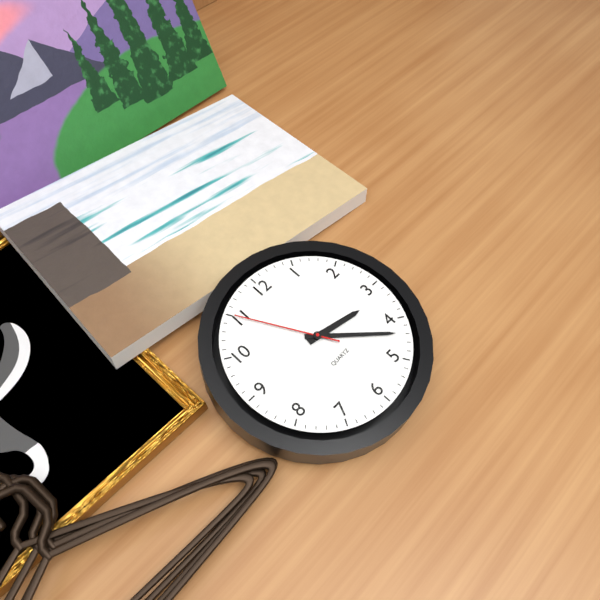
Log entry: 3:22:55
